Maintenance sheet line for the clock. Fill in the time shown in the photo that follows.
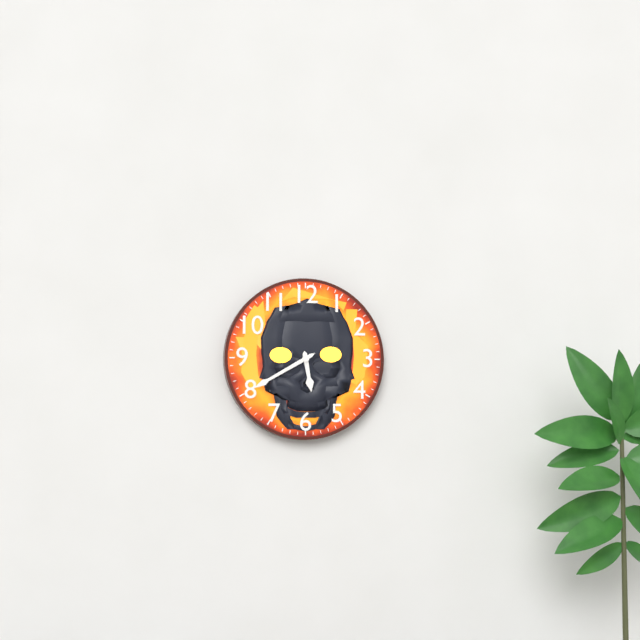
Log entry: 5:40
